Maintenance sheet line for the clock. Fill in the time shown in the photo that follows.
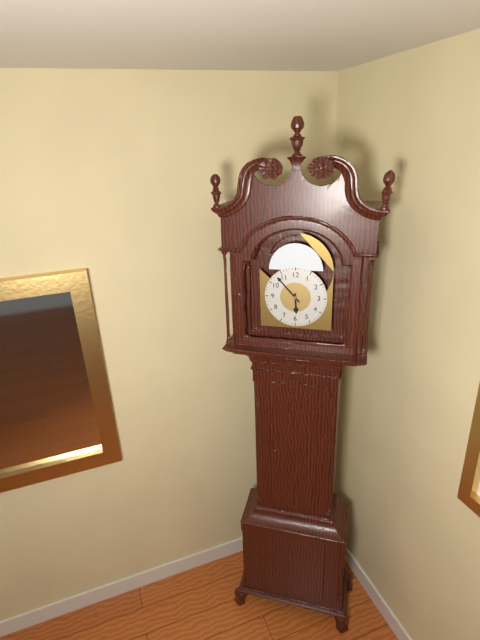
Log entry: 5:53
